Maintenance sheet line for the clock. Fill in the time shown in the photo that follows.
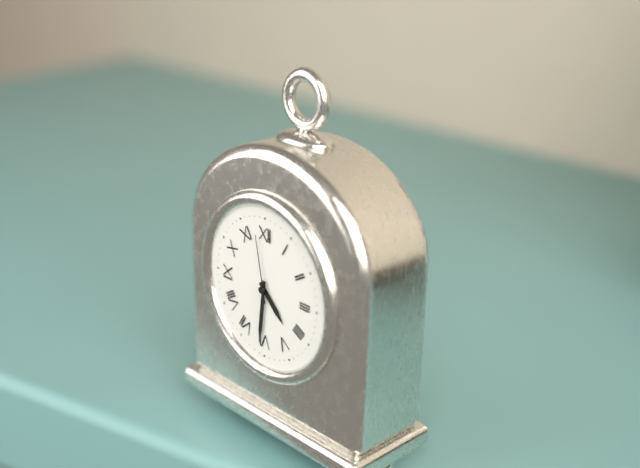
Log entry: 4:31:58
